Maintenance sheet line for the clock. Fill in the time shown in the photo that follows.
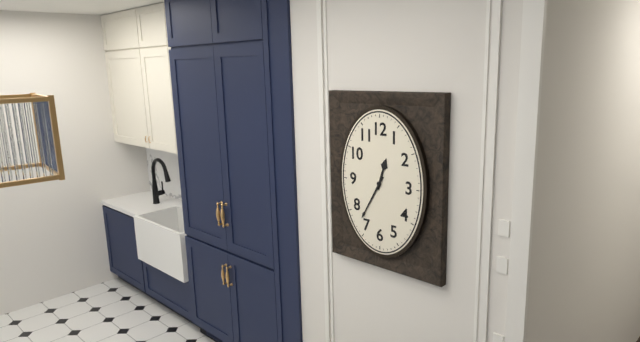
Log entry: 12:35
